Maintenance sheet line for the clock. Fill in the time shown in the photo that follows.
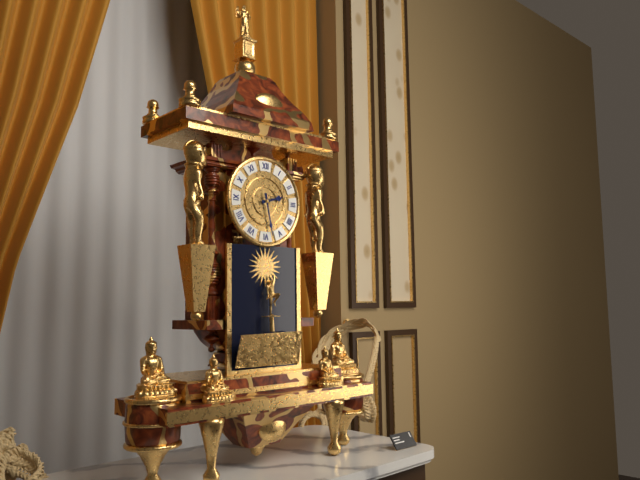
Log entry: 2:28
